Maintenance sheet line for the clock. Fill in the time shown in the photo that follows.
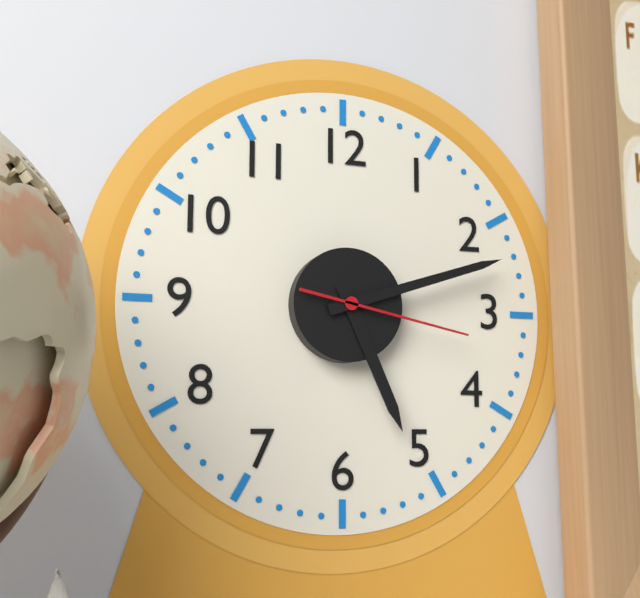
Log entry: 5:12:17
